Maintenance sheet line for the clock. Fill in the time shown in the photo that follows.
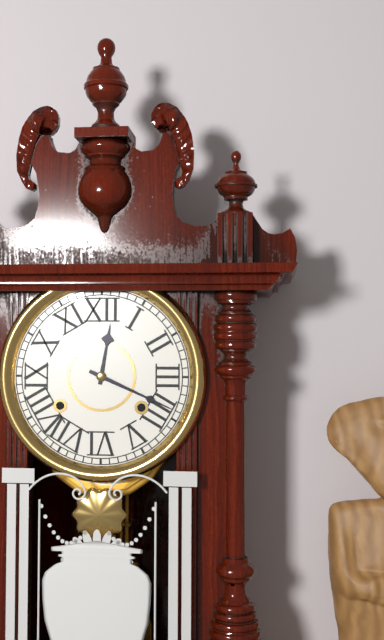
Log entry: 12:19
